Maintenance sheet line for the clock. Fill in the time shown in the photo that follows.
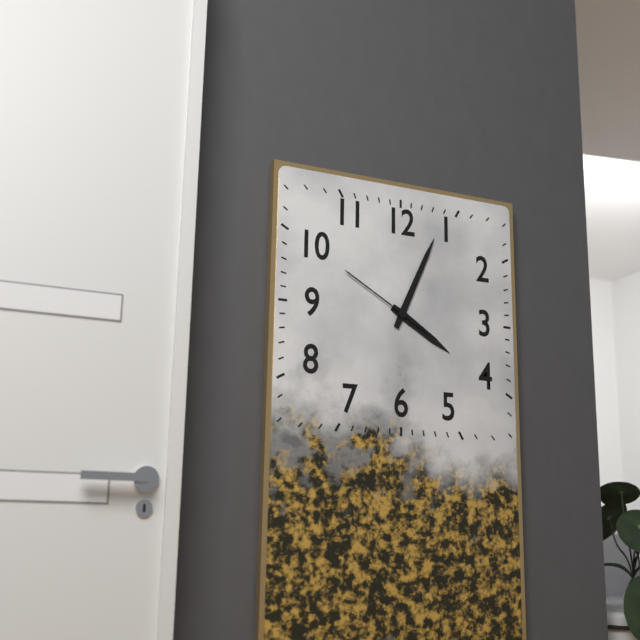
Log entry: 4:04:50
